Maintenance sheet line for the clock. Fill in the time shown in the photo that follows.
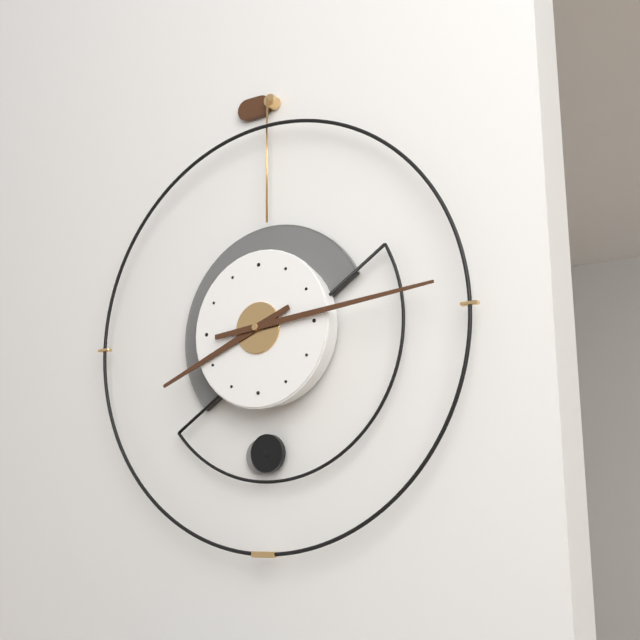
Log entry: 8:14
